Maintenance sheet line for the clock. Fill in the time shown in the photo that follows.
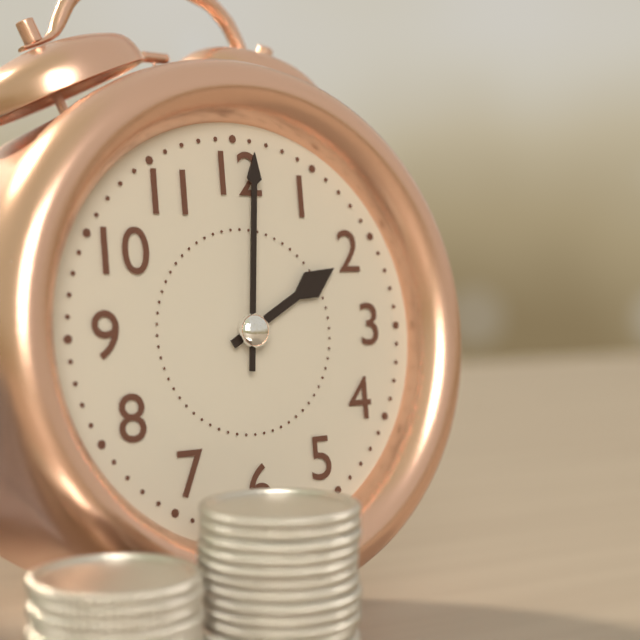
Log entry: 2:01
